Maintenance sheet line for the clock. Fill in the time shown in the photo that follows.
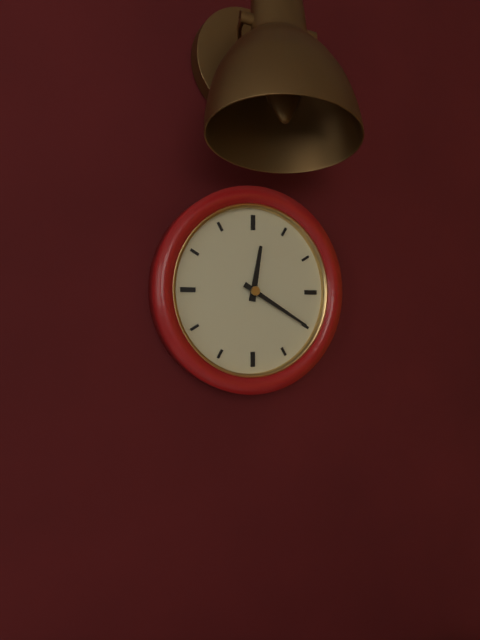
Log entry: 12:20
